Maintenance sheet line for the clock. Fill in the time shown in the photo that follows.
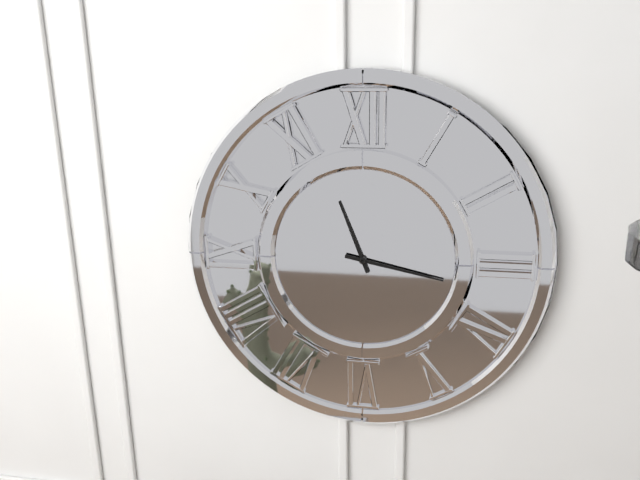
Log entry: 11:17
